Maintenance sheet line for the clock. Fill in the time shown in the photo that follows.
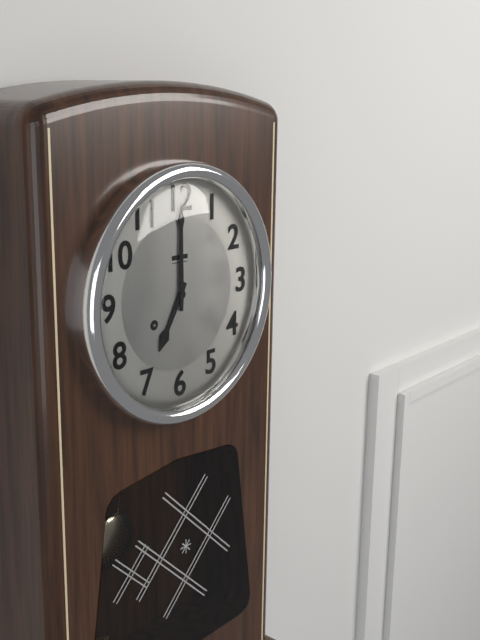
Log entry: 7:00
